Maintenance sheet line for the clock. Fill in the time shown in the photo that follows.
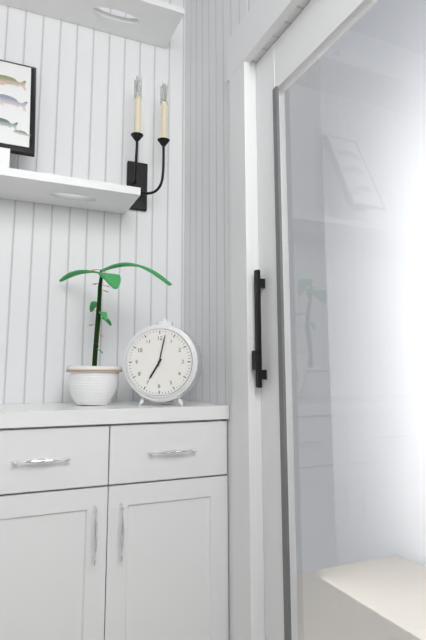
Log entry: 7:02
